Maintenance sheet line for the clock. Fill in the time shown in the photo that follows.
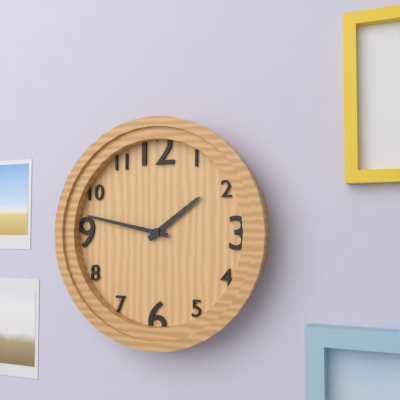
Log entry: 1:47
